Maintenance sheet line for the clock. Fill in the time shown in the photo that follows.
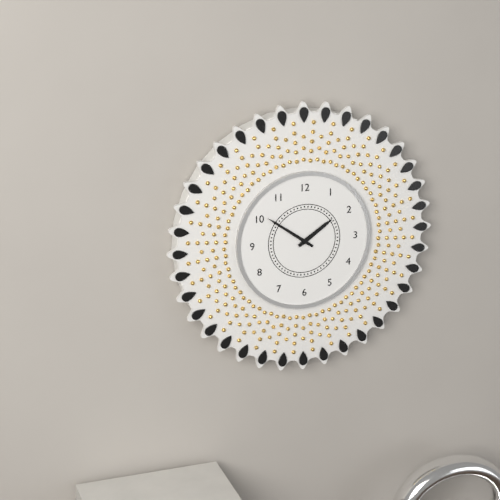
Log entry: 1:51
